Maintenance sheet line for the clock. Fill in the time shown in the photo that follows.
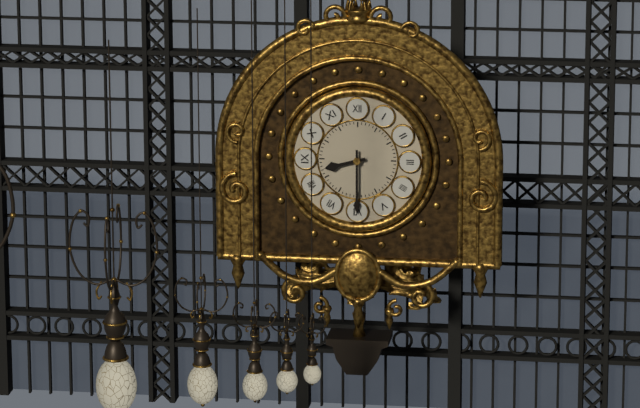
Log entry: 8:30
